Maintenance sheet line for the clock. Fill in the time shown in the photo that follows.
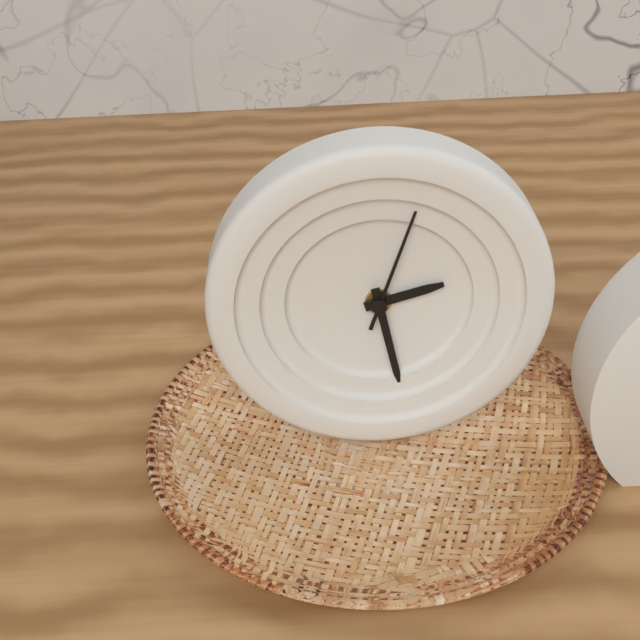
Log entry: 2:28:03
